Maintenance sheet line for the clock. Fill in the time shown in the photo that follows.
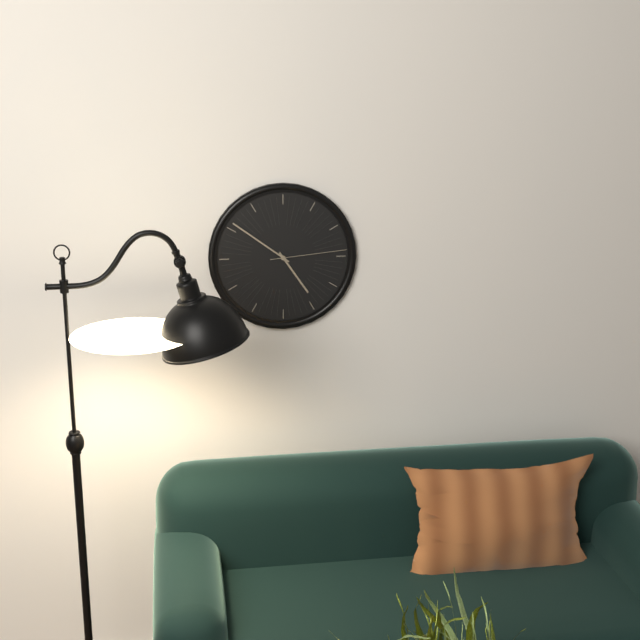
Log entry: 4:51:14
